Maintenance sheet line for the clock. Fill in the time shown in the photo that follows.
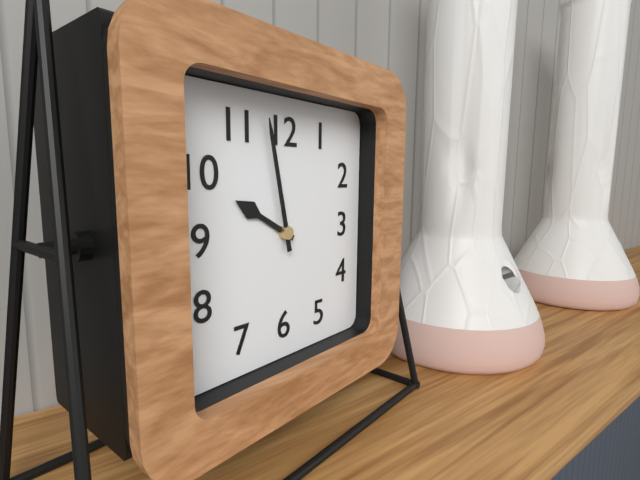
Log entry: 9:58
